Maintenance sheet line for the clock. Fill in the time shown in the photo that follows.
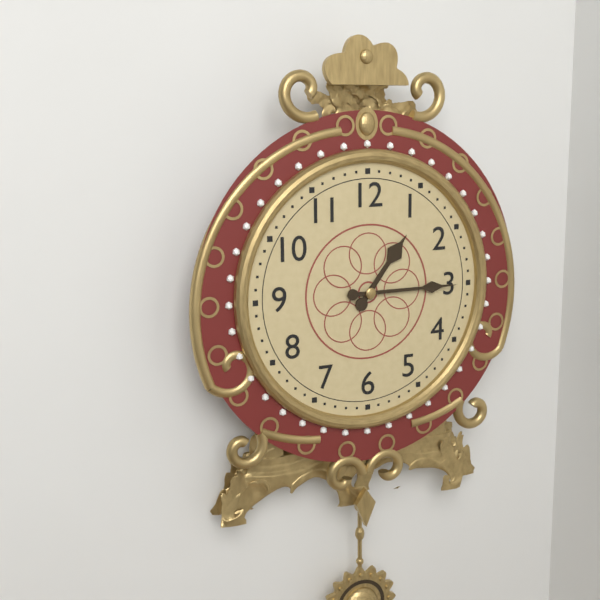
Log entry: 1:15
